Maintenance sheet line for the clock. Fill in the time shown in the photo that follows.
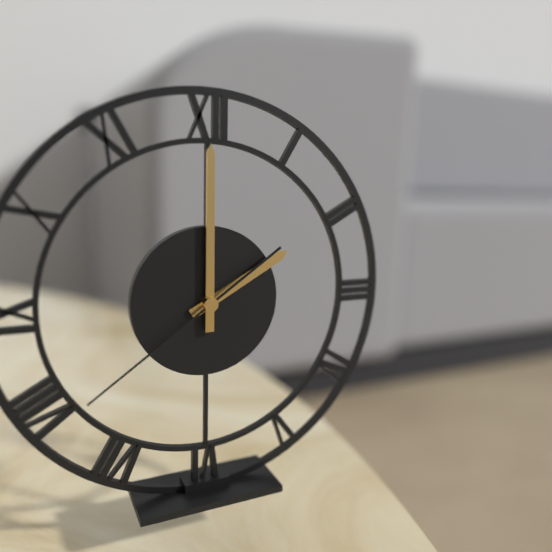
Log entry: 2:00:39
